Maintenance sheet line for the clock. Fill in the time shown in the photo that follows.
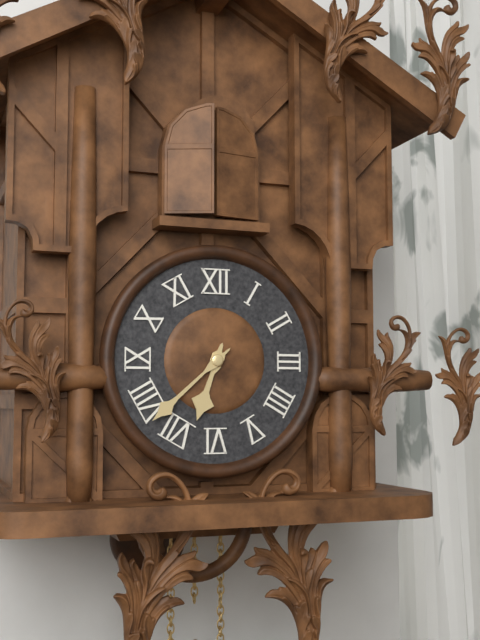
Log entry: 6:38
